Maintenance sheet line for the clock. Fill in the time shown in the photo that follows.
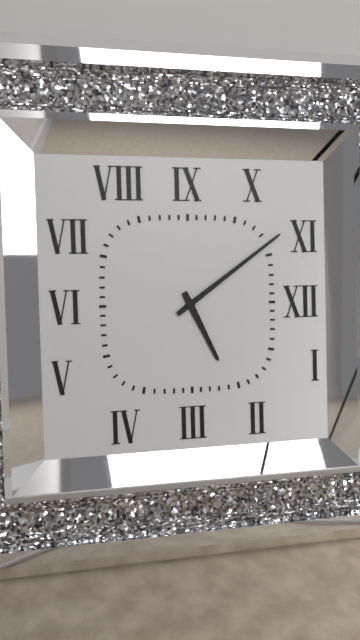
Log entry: 5:09
